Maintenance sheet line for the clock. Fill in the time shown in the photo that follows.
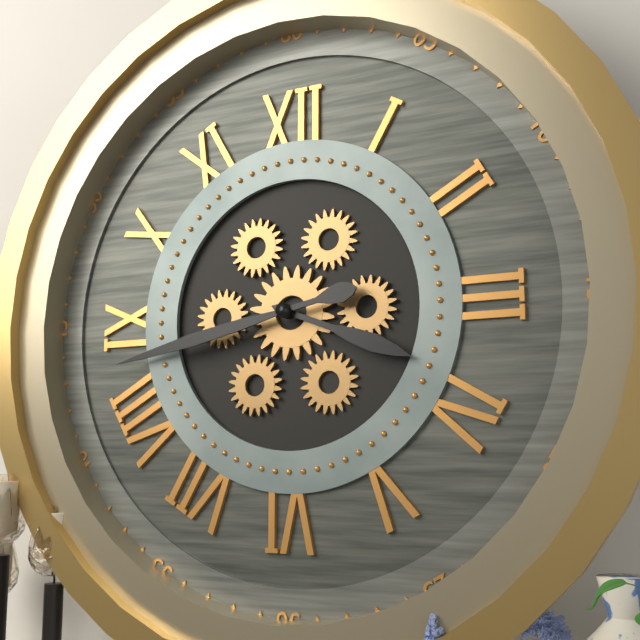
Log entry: 3:43
